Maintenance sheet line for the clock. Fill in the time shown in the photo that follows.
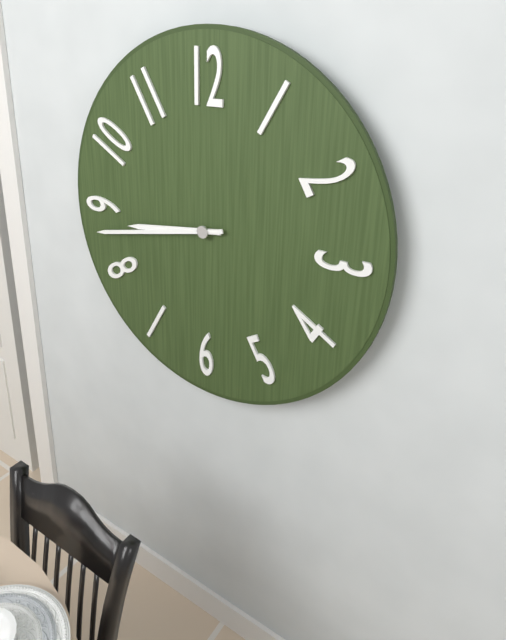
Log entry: 8:43
